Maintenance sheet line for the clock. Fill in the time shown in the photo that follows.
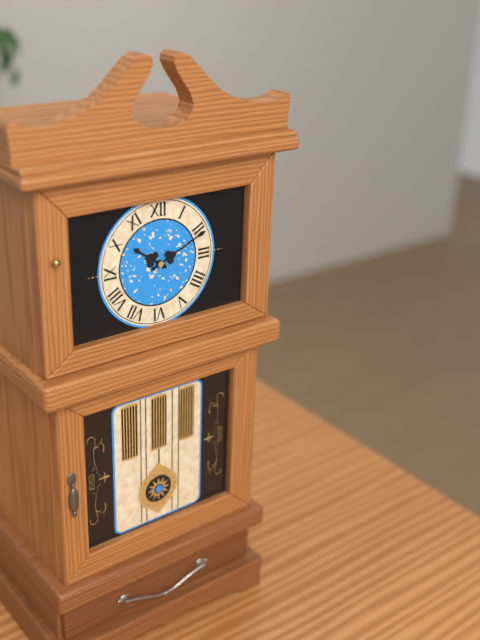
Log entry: 10:11
